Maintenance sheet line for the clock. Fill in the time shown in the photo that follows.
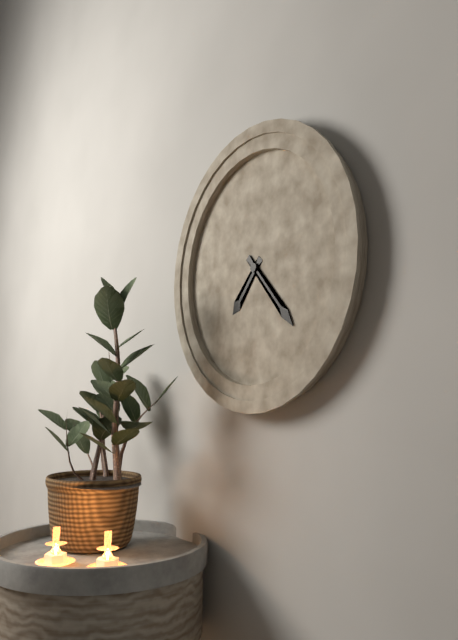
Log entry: 7:23
